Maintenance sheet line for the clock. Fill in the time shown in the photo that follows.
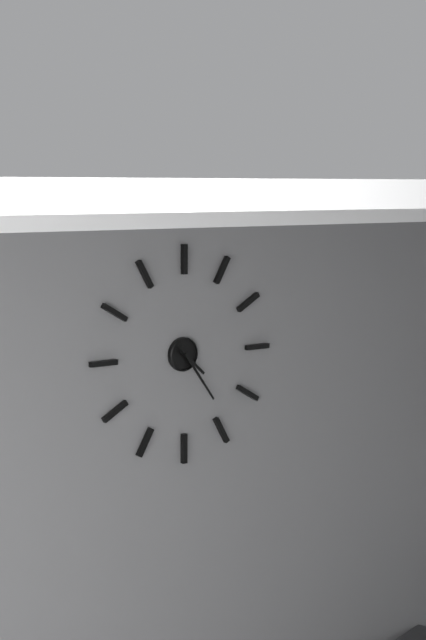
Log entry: 4:24
